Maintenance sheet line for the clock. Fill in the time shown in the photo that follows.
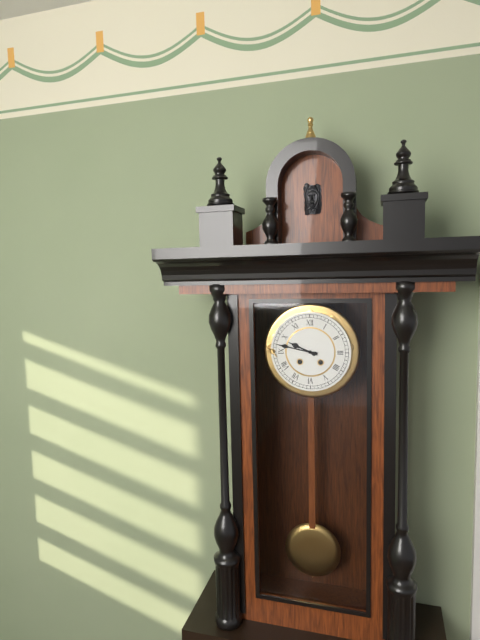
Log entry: 9:47
